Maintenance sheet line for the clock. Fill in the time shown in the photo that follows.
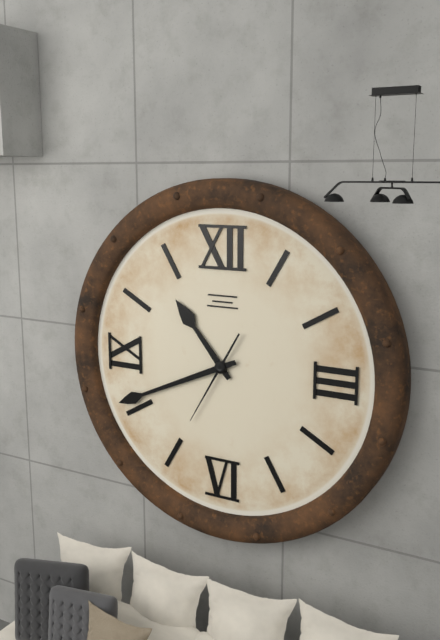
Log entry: 10:41:35
